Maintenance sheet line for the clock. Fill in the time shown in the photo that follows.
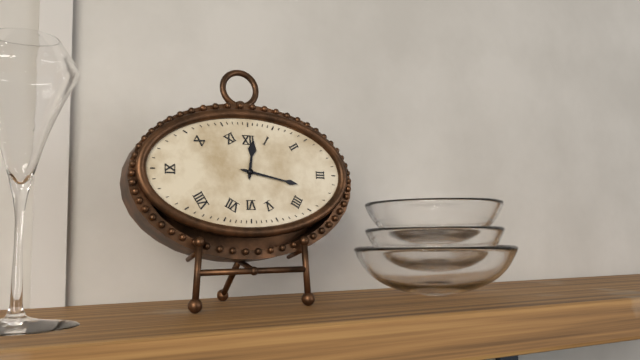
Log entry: 12:17
